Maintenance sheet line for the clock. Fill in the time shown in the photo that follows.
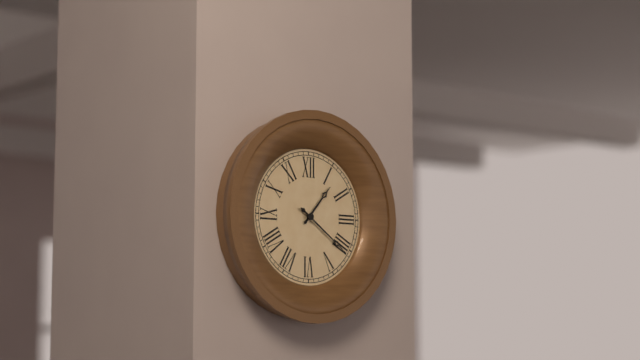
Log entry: 1:21
